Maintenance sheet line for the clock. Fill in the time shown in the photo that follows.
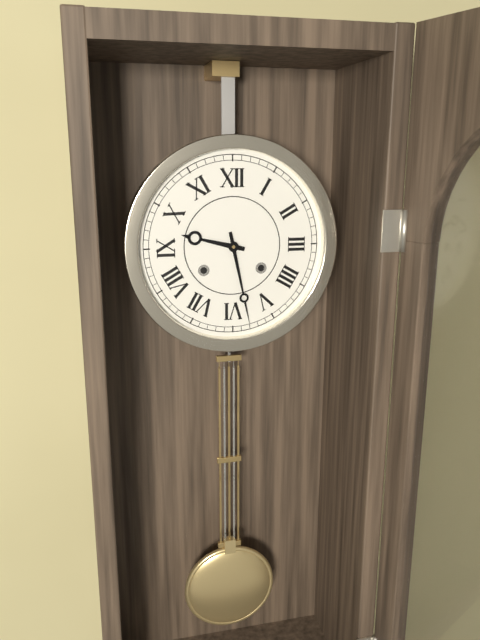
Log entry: 9:28
